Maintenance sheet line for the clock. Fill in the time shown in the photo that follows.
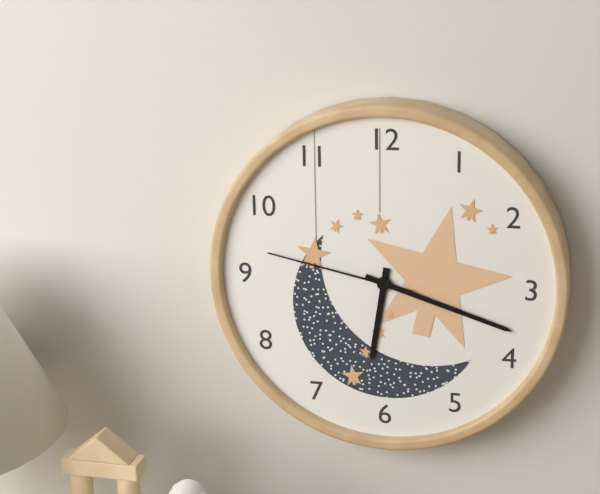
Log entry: 6:18:47
